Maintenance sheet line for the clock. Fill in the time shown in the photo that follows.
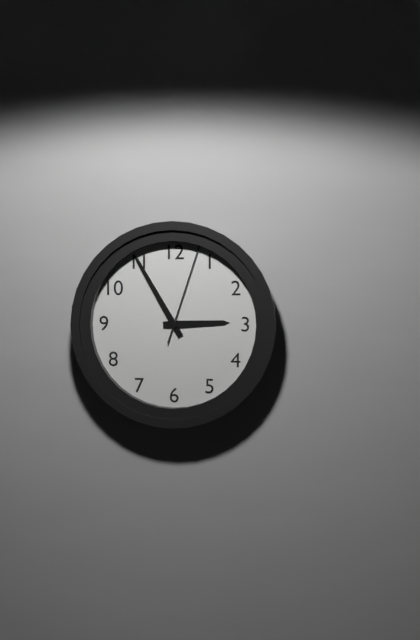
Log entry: 2:55:03
